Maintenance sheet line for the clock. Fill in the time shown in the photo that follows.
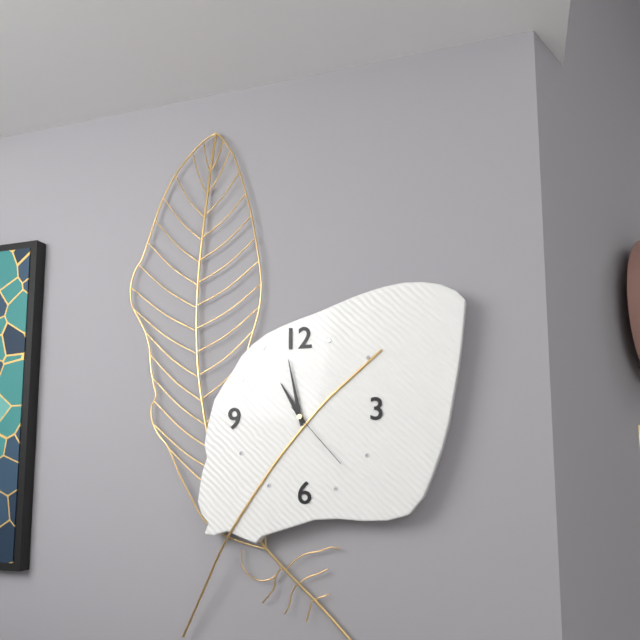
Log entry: 10:58:23
